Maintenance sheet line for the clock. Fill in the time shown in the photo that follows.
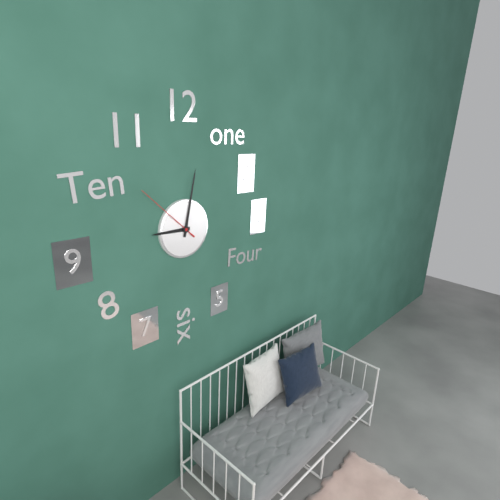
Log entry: 9:02:52
